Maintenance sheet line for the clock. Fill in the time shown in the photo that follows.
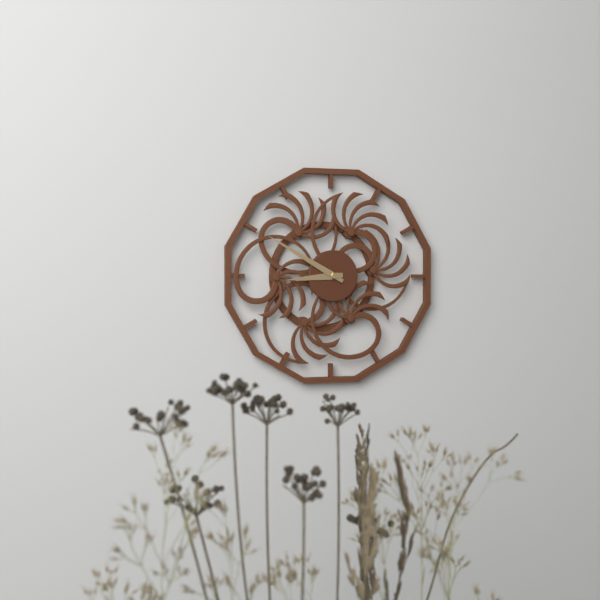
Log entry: 8:50
